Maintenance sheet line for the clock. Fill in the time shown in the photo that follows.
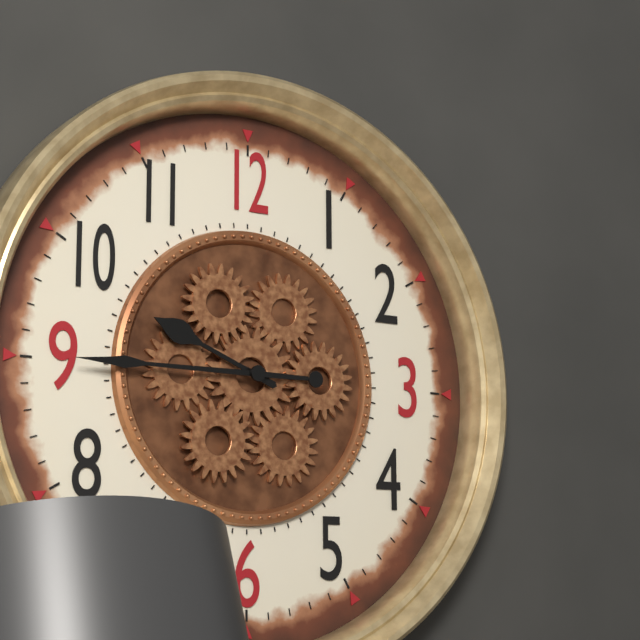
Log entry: 9:45
